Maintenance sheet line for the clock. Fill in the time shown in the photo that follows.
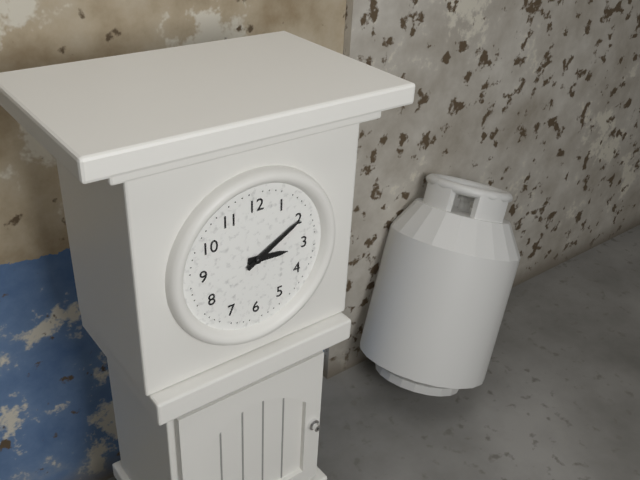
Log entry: 3:10
